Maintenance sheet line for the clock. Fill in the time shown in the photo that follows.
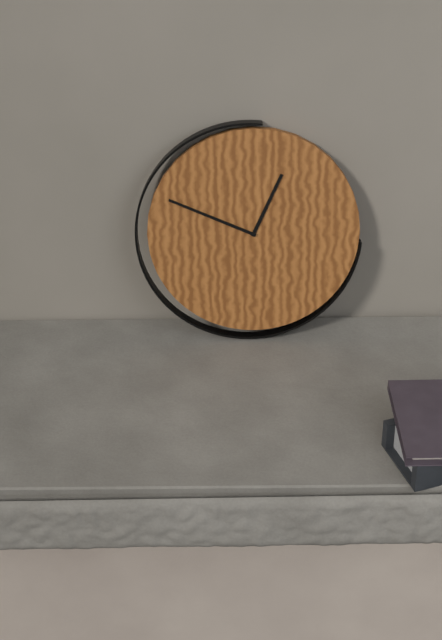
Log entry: 12:49
